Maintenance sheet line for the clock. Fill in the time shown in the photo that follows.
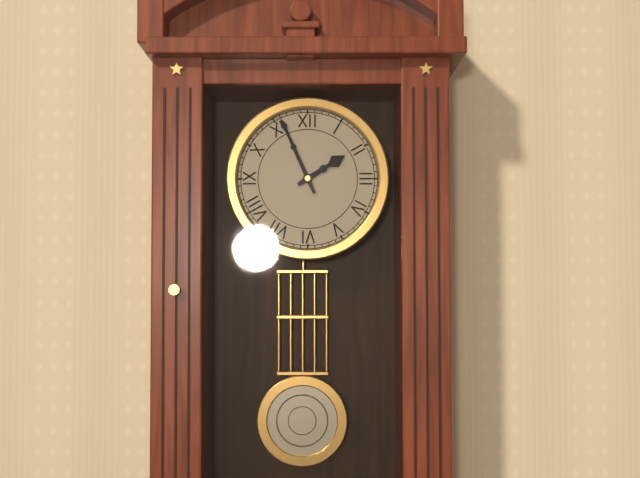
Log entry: 1:56
